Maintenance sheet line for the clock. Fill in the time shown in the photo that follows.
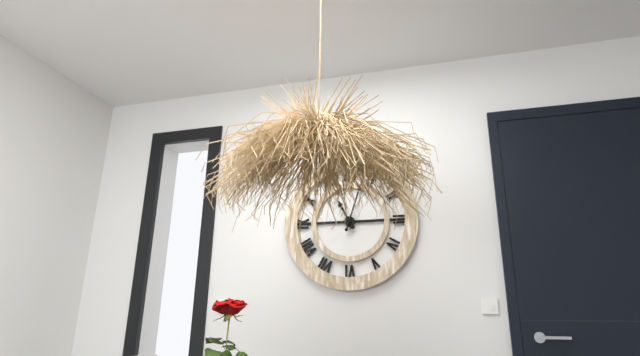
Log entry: 11:03
